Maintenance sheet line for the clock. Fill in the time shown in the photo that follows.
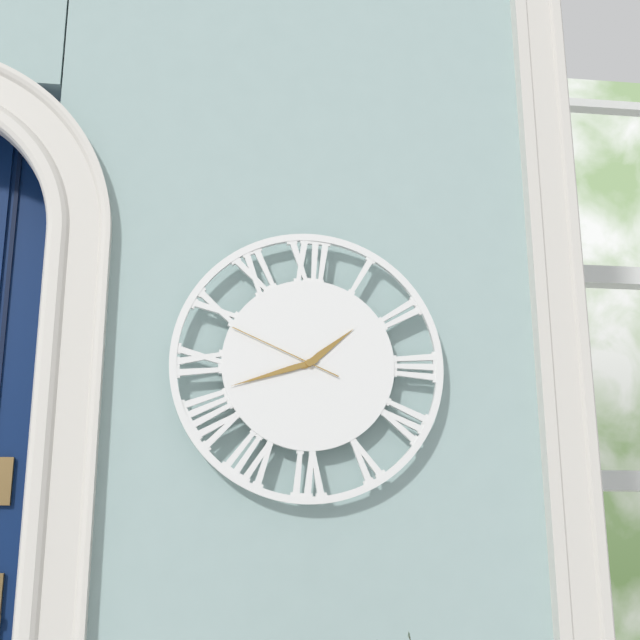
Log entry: 1:42:49
